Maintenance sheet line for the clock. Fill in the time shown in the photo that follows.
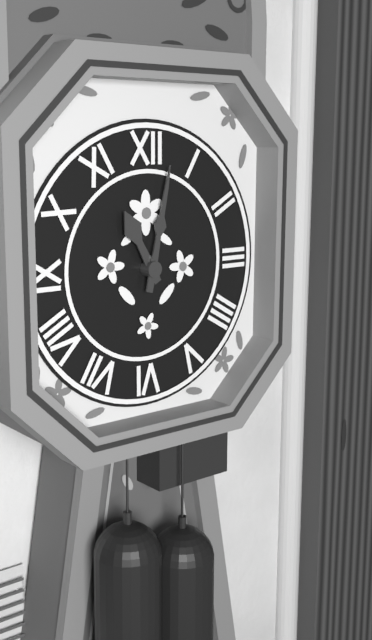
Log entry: 11:02
